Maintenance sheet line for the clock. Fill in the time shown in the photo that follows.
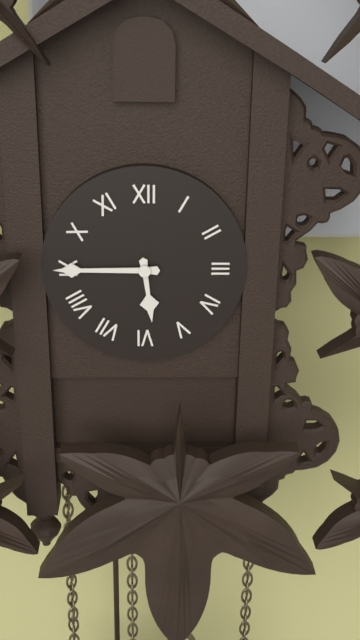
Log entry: 5:45
